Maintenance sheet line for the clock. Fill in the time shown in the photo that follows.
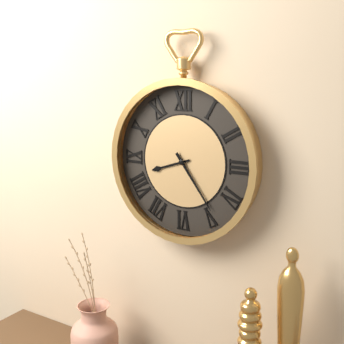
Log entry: 8:24
